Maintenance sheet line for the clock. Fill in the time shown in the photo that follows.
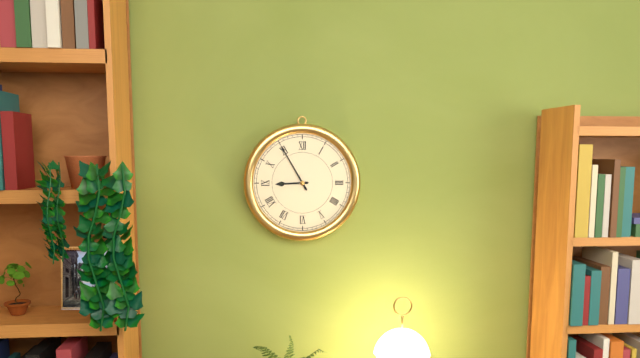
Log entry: 8:55
